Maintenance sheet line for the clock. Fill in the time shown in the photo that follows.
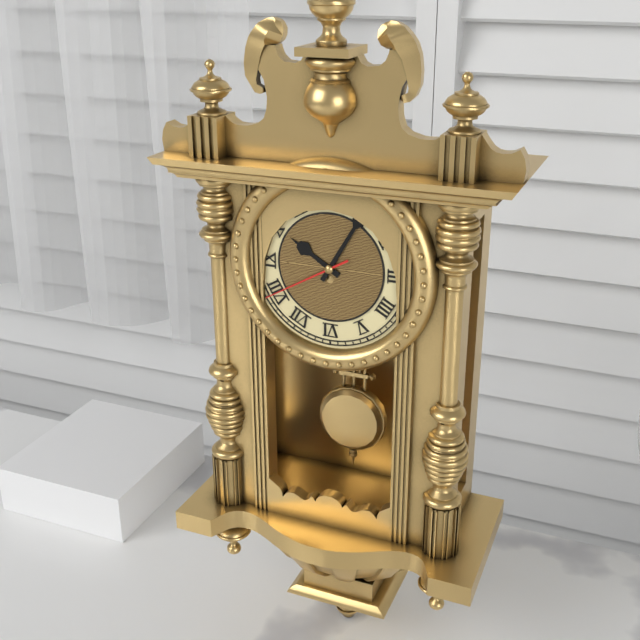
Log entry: 10:05:40
